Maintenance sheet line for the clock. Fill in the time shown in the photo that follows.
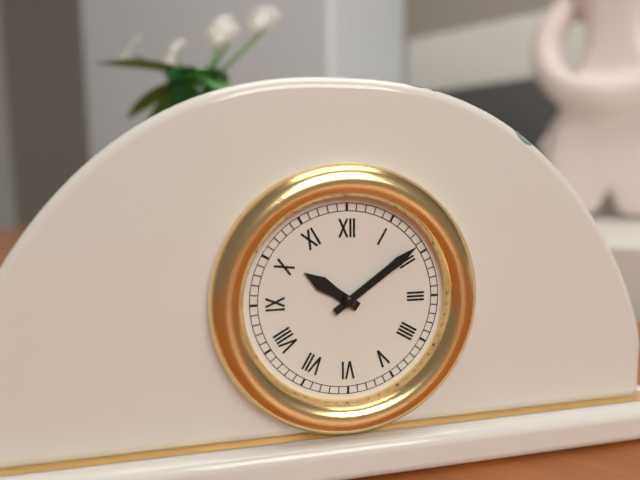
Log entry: 10:09
